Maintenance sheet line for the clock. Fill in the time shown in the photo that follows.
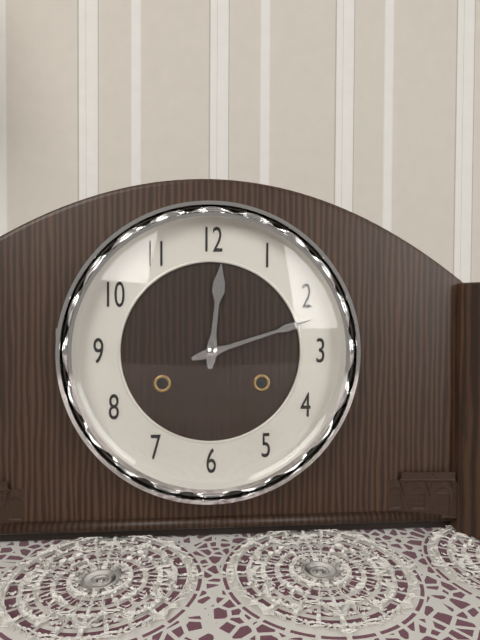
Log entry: 12:12
